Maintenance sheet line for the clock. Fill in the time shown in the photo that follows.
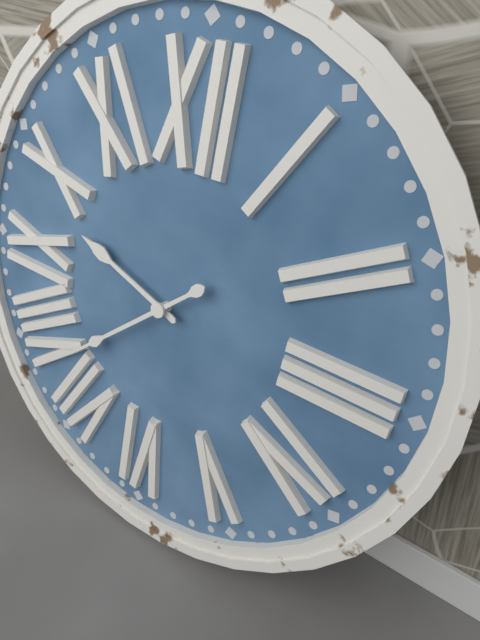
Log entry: 9:38
